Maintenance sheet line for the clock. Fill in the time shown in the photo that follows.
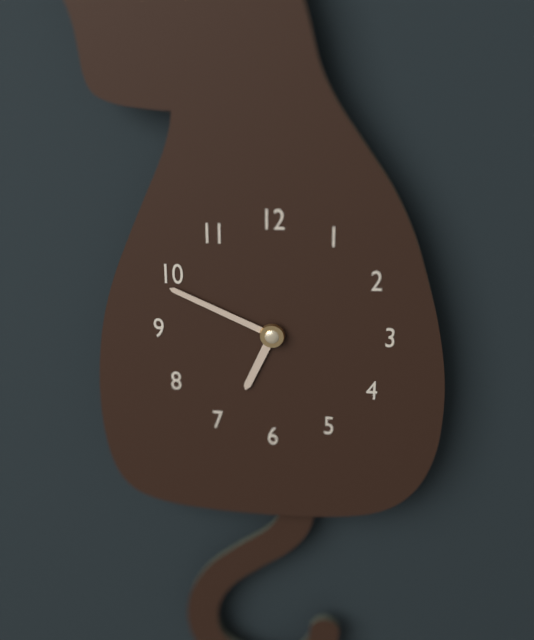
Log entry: 6:49
